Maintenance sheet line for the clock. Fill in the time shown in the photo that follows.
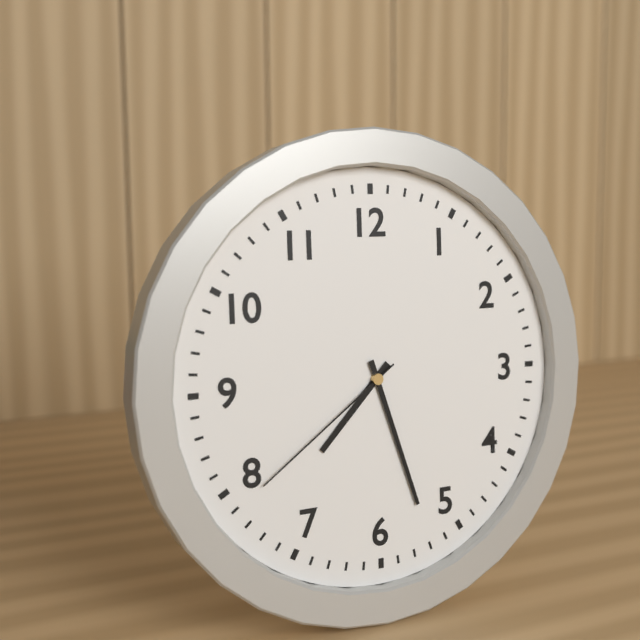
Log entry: 7:27:39
